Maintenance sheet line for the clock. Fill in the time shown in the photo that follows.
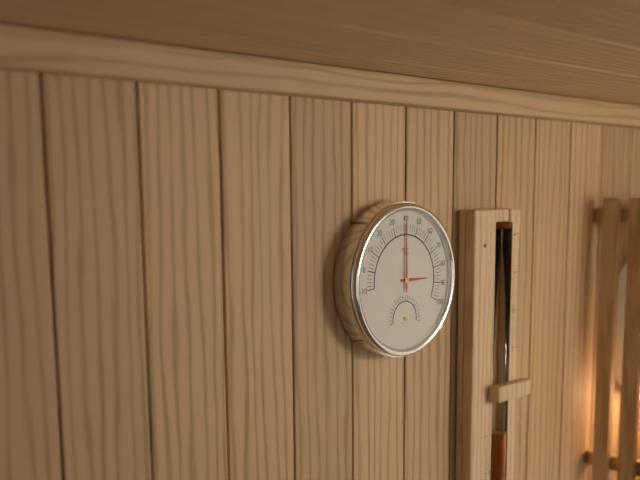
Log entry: 3:00
